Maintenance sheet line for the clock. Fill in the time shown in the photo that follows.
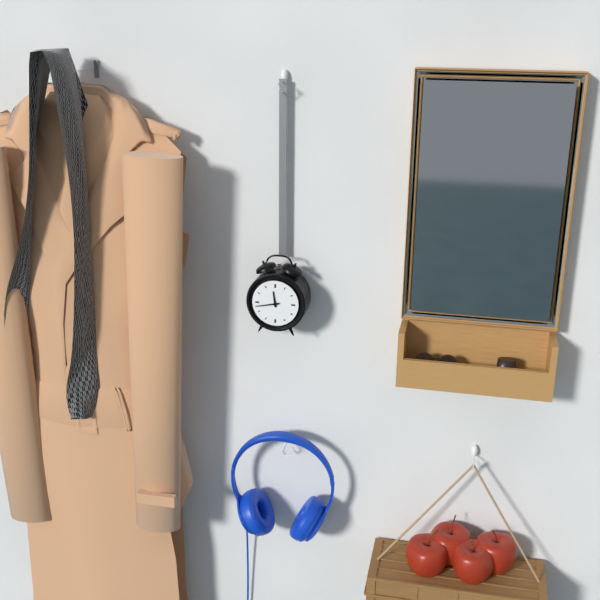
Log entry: 11:43
